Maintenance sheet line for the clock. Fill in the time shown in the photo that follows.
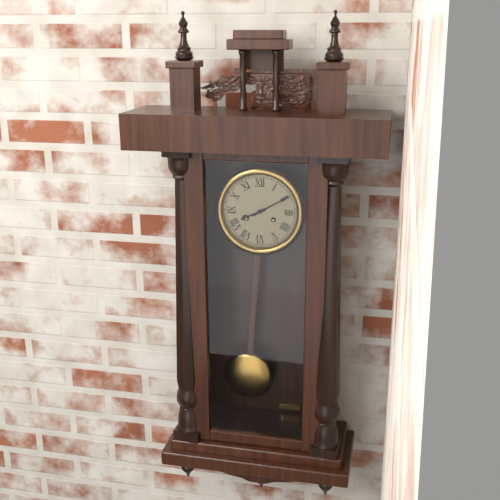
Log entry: 8:10
